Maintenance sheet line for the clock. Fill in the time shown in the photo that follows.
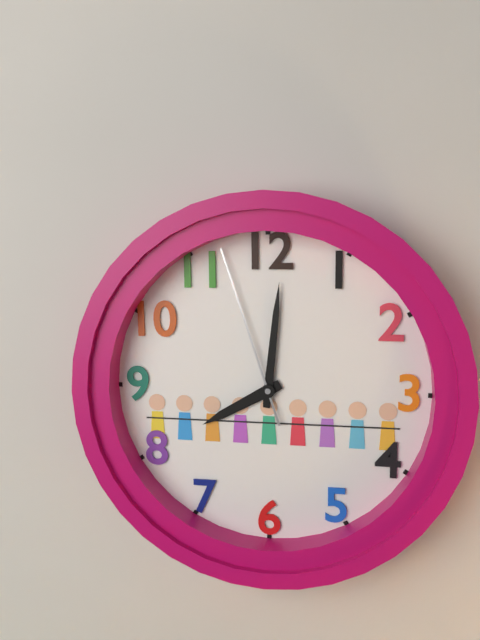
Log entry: 8:01:57
